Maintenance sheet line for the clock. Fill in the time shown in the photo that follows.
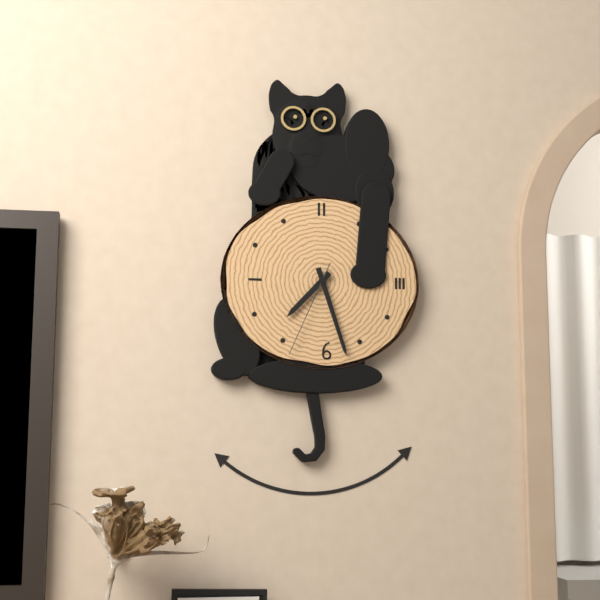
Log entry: 7:27:34
